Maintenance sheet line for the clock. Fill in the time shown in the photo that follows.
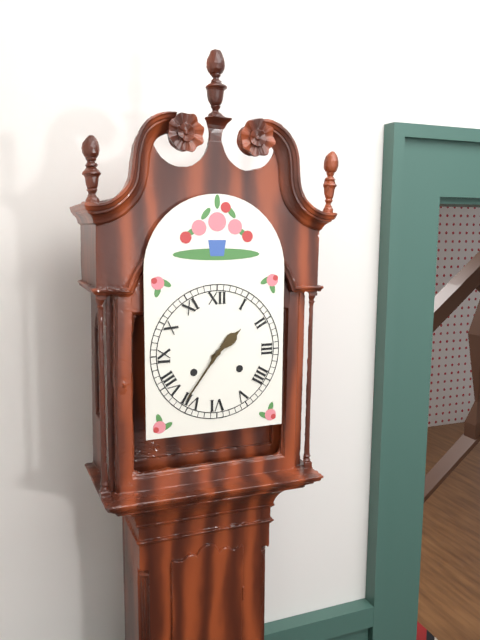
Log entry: 1:36
